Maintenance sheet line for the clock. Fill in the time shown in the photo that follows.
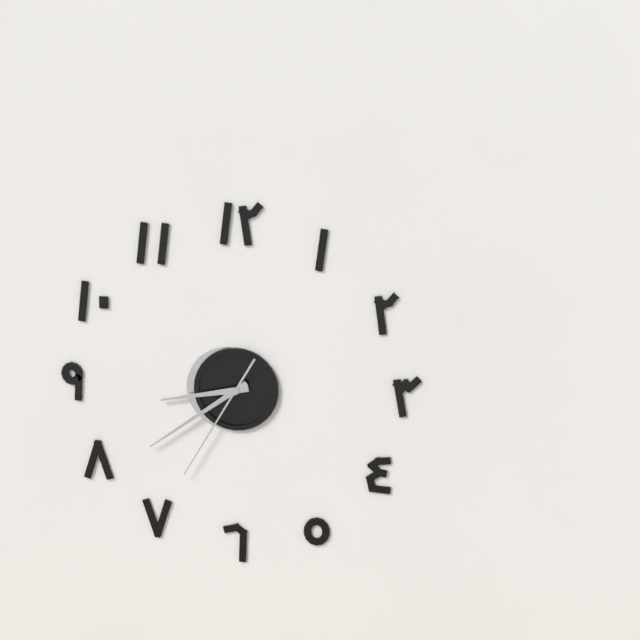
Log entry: 8:39:35
